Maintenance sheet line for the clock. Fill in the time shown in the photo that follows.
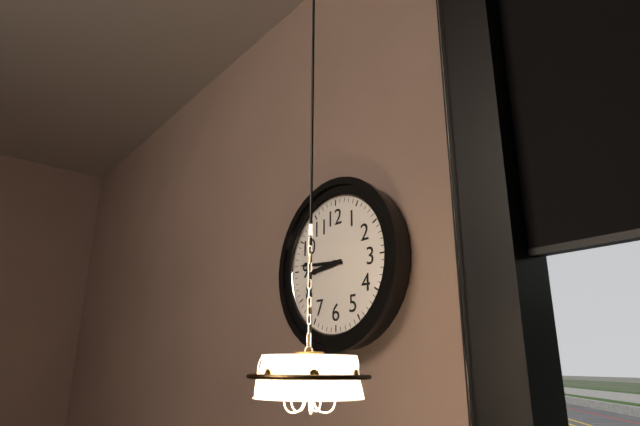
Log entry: 8:46
